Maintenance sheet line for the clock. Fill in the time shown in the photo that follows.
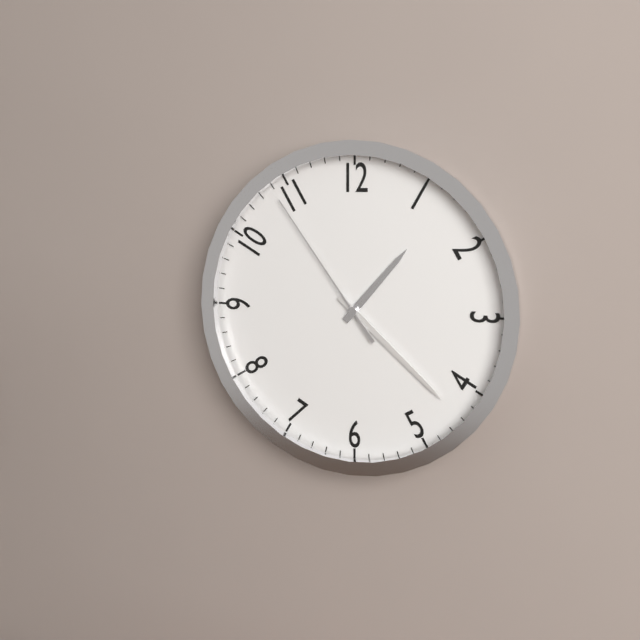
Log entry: 1:22:54
